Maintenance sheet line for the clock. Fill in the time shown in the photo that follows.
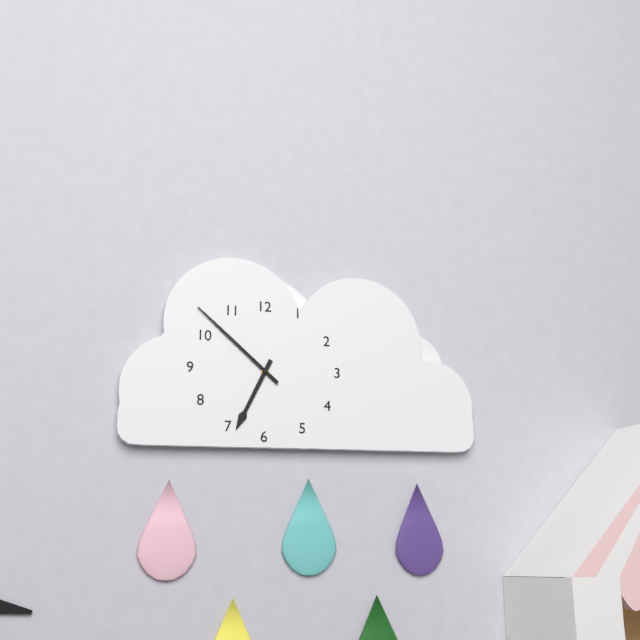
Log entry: 6:52
